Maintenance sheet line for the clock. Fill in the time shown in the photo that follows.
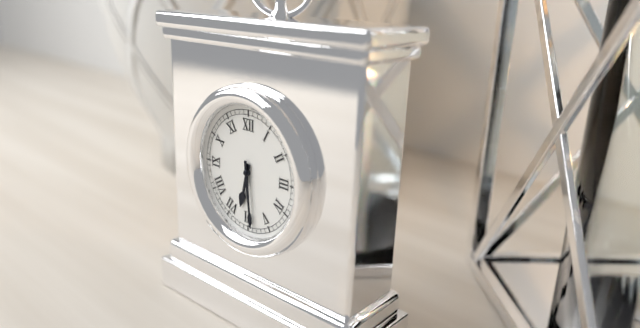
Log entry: 6:29
